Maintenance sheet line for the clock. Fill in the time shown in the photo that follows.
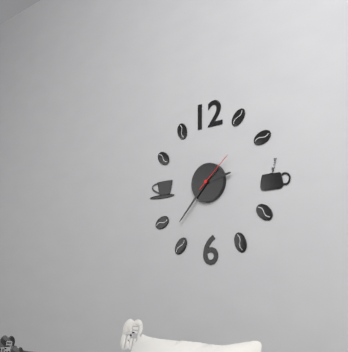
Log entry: 2:37
